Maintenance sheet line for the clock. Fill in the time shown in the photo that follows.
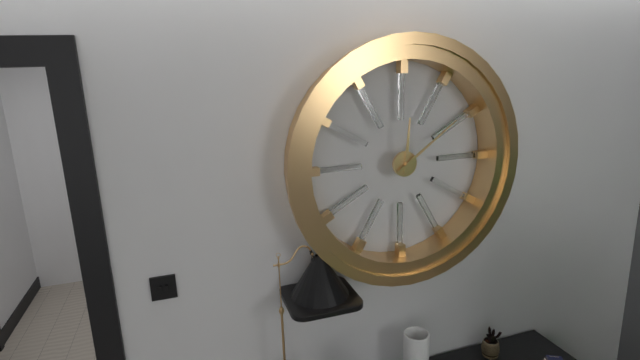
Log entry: 12:09
